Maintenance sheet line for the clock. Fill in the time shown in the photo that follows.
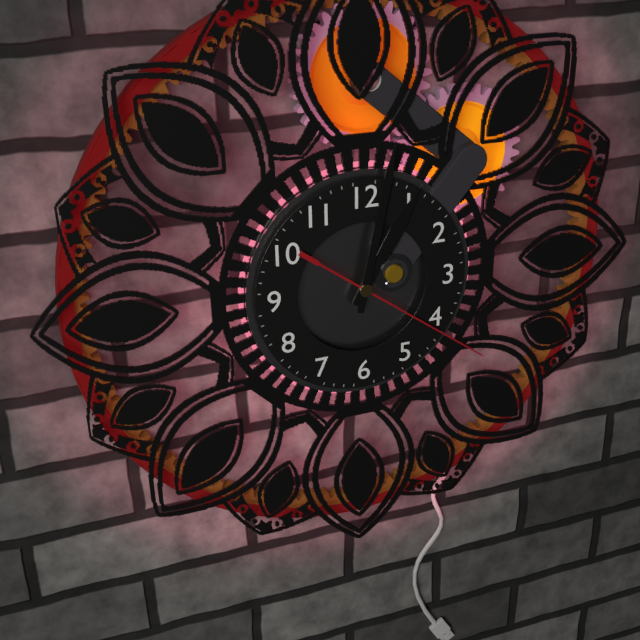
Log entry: 1:02:21
